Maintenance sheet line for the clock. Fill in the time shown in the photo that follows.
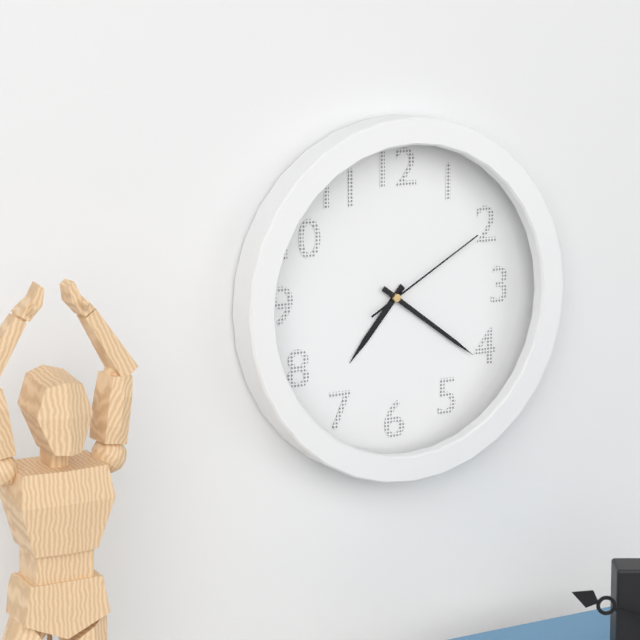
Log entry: 7:21:10
